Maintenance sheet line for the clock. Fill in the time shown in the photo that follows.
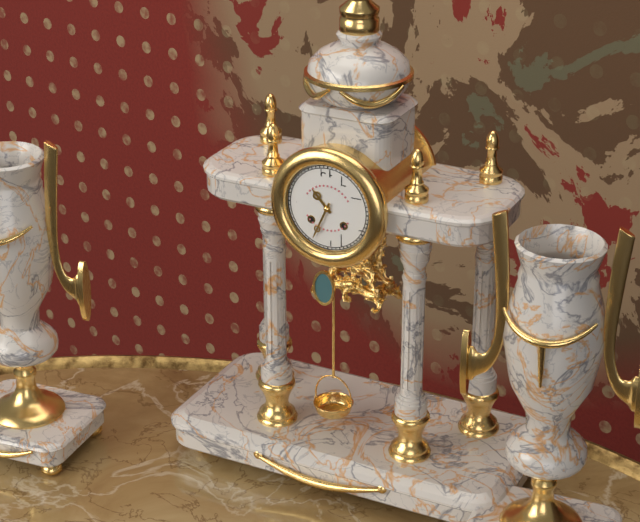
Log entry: 10:34
